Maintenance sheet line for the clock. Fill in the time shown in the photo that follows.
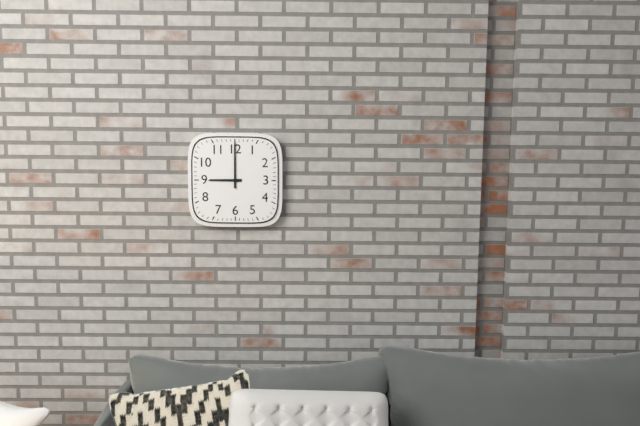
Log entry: 9:00
